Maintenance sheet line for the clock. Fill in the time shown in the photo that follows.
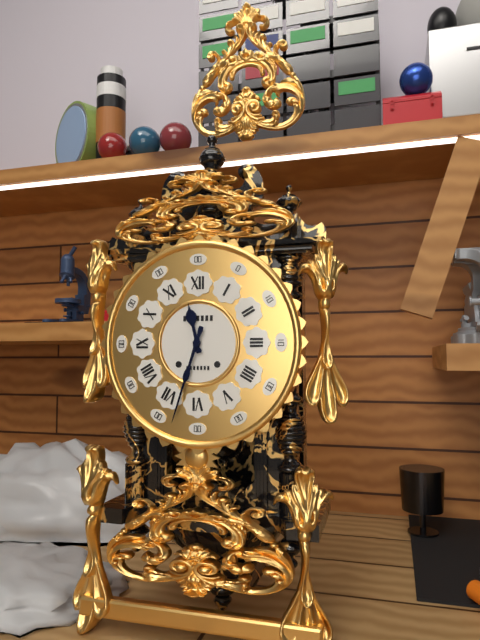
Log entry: 11:33
